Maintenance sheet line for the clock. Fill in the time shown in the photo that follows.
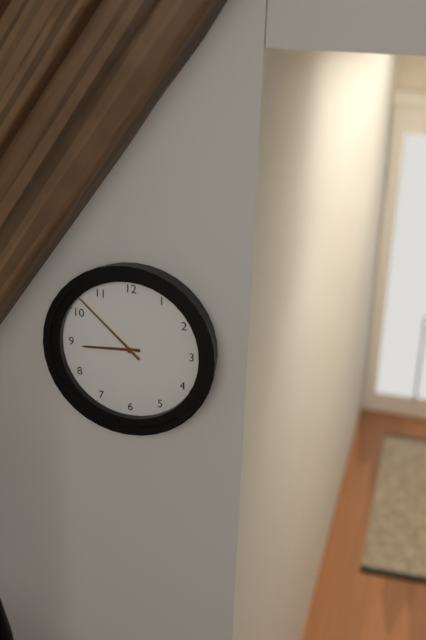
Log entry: 8:52
